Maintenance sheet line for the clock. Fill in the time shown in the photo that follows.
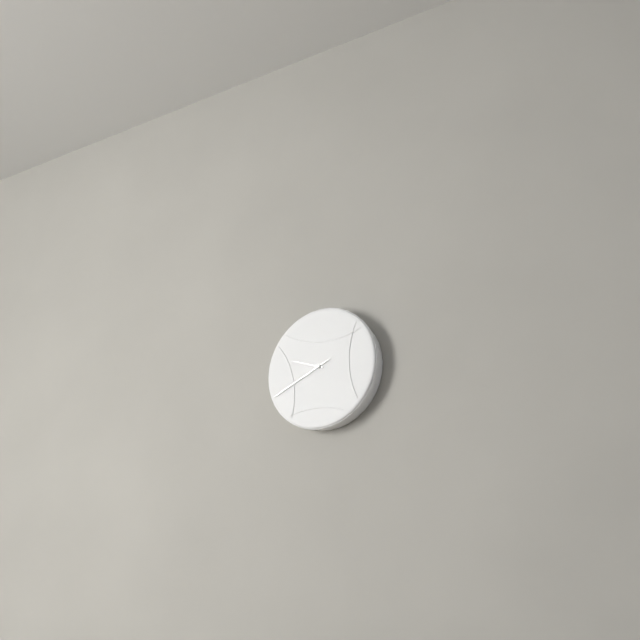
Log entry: 9:41
